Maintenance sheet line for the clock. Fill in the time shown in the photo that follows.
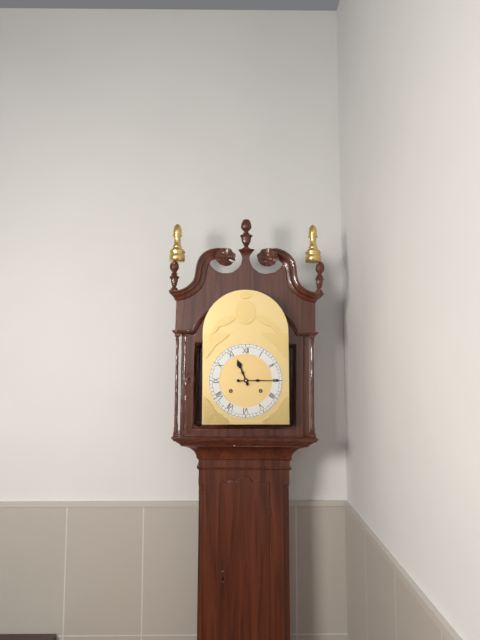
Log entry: 11:15
